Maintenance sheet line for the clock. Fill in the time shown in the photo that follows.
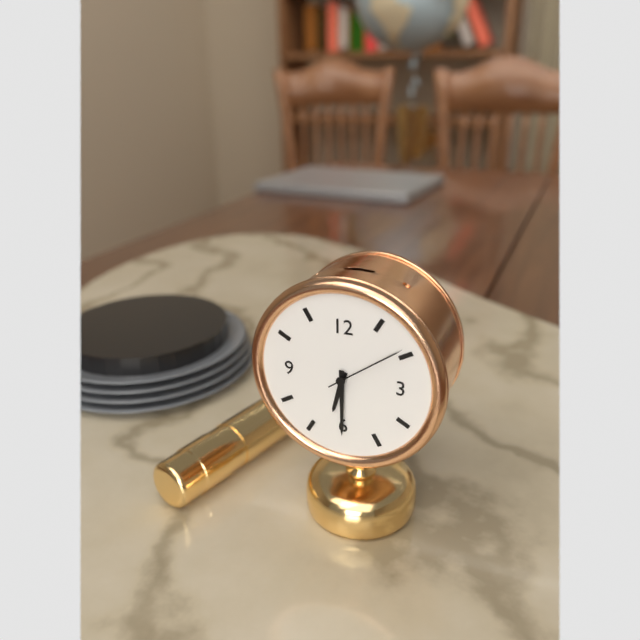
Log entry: 6:30:09
